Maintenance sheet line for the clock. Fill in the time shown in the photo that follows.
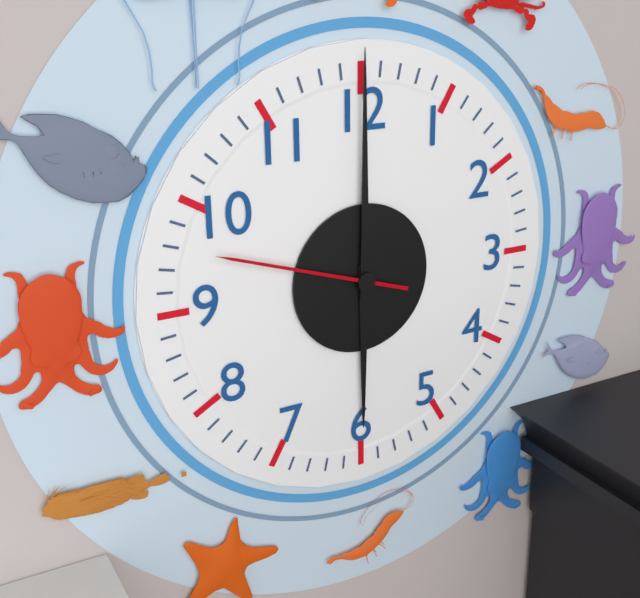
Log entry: 6:00:48
